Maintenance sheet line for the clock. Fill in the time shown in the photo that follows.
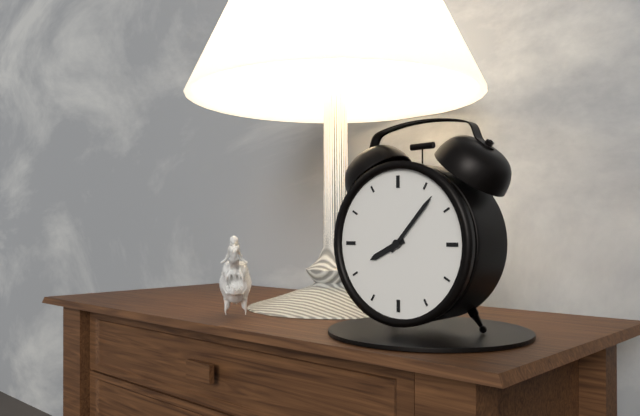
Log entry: 8:07
